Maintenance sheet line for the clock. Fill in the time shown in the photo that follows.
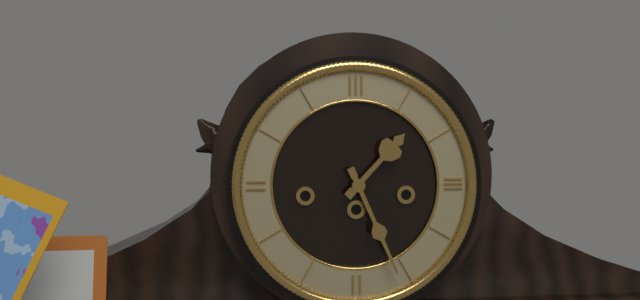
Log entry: 1:26
